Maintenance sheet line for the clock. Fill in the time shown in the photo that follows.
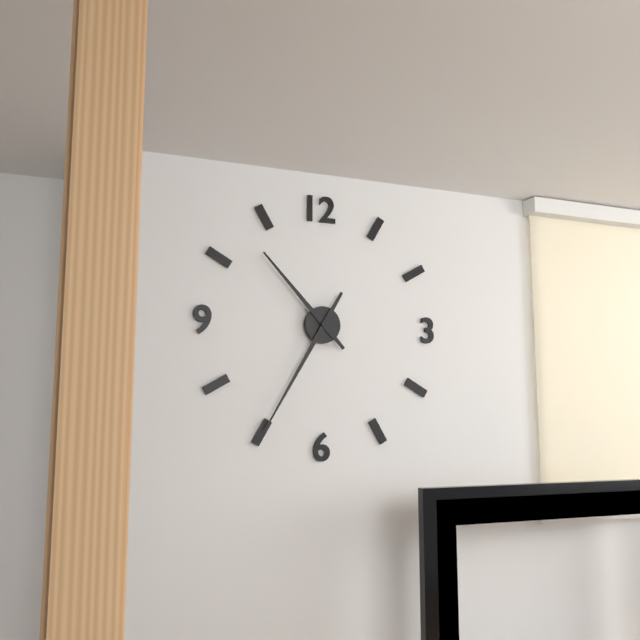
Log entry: 10:35
